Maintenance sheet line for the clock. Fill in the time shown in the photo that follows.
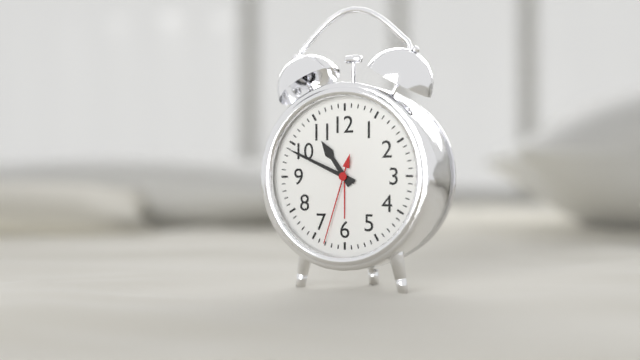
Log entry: 10:49:33
